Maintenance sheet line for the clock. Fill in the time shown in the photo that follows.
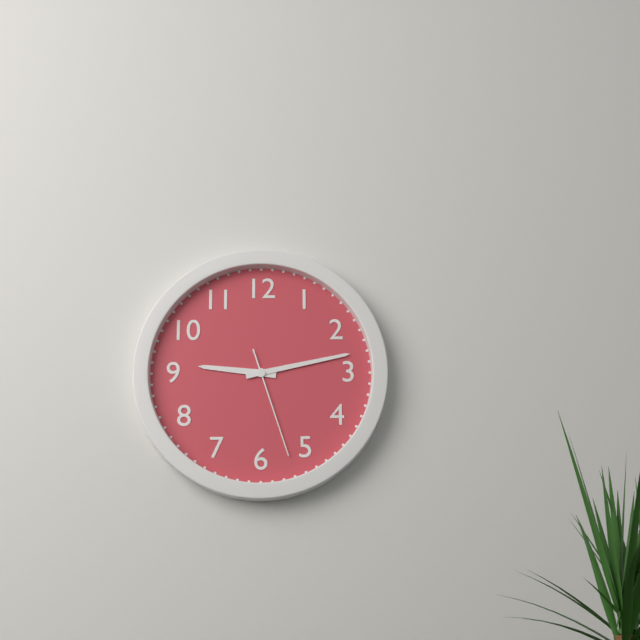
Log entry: 9:13:27
